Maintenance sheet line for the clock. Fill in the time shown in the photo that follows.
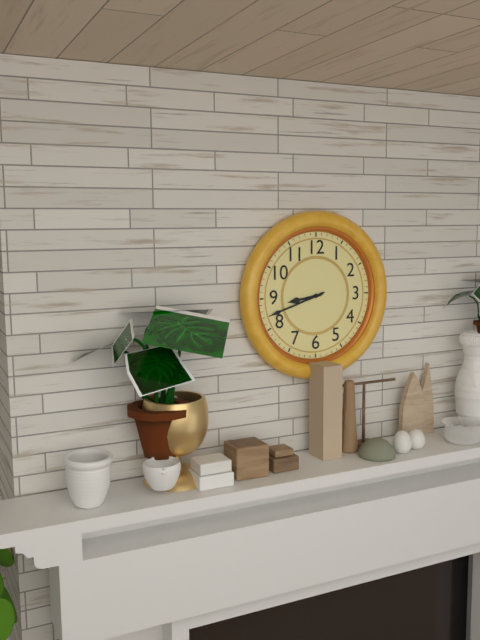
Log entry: 8:42
